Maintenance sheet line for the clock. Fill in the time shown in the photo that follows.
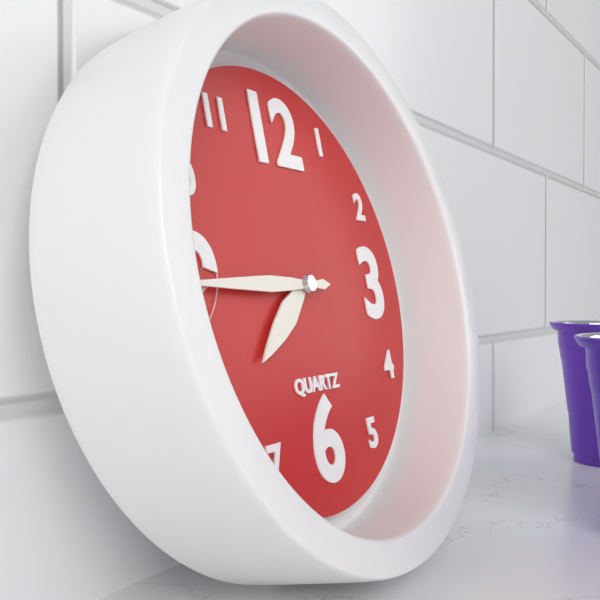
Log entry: 7:45
